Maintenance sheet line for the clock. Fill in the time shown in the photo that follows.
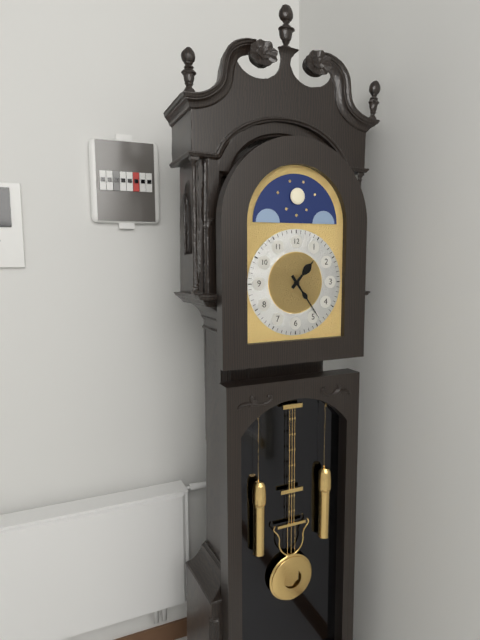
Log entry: 1:24
